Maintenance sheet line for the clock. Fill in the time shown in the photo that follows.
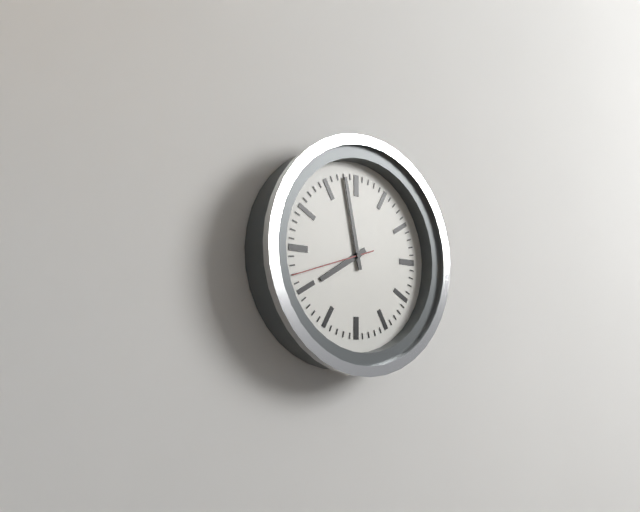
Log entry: 7:58:42
